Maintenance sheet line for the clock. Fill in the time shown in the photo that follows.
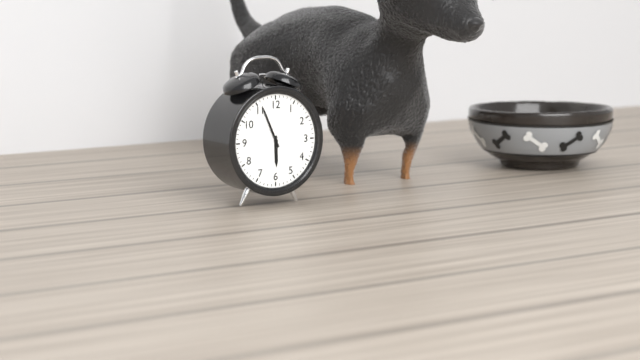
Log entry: 5:56
